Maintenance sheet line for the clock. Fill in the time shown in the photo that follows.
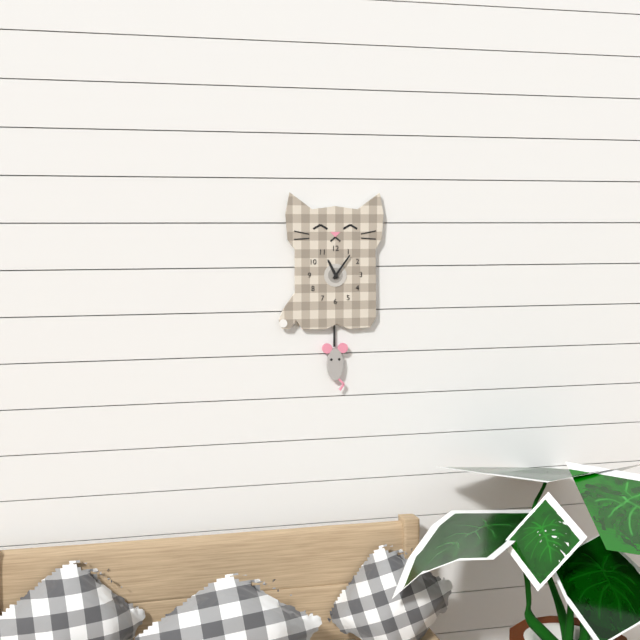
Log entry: 11:06
